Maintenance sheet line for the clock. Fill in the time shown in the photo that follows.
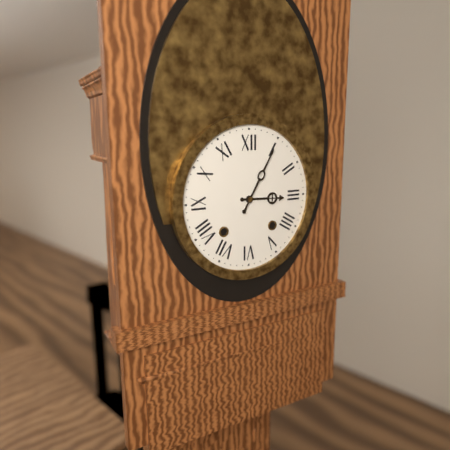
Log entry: 3:05
